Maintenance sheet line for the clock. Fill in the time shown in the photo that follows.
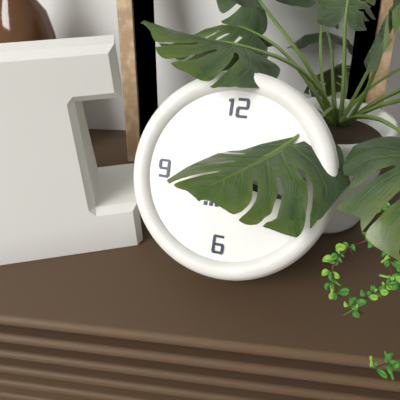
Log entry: 1:17
